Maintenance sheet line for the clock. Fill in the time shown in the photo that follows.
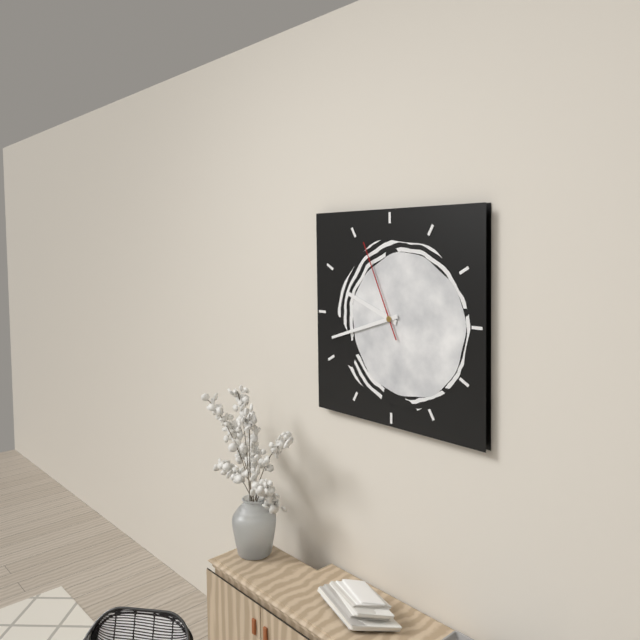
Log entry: 9:42:56
